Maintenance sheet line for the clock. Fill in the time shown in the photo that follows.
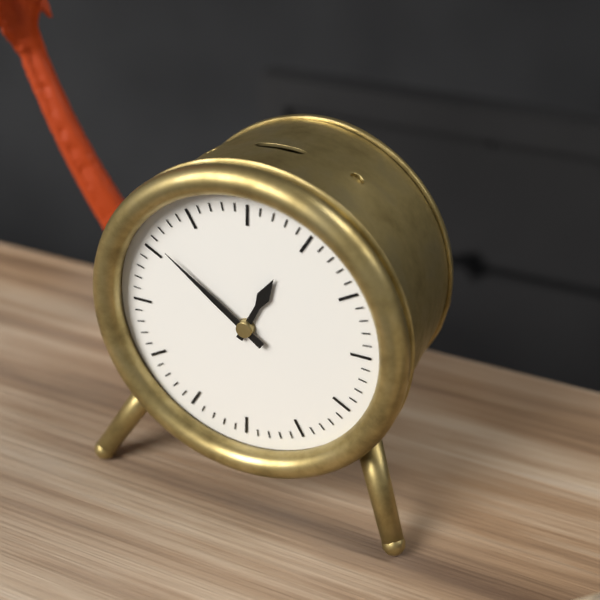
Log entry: 12:51
